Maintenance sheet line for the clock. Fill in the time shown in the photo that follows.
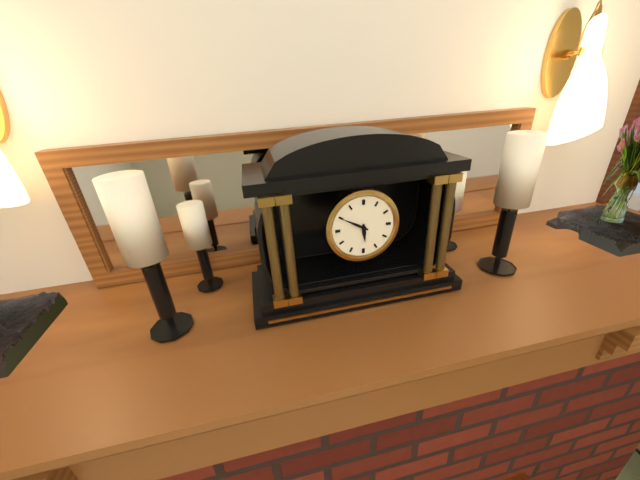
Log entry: 5:50
